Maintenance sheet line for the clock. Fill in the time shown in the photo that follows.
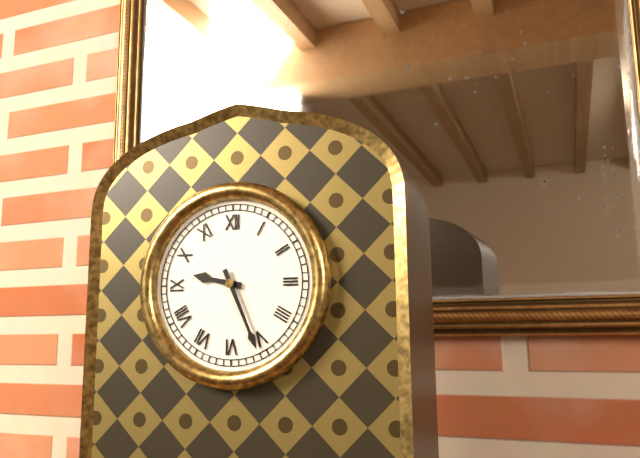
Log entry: 9:26
